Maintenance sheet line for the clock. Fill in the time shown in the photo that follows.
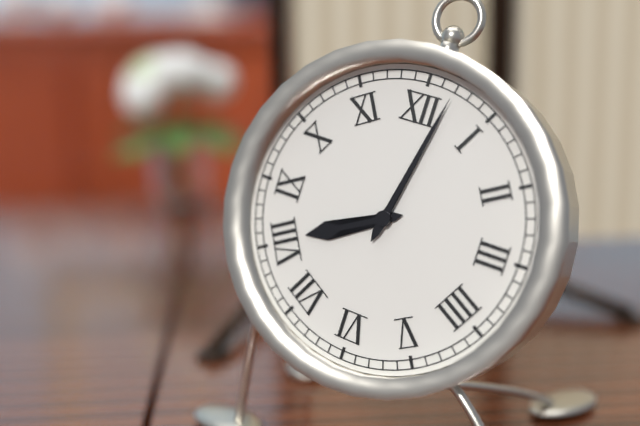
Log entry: 8:02
